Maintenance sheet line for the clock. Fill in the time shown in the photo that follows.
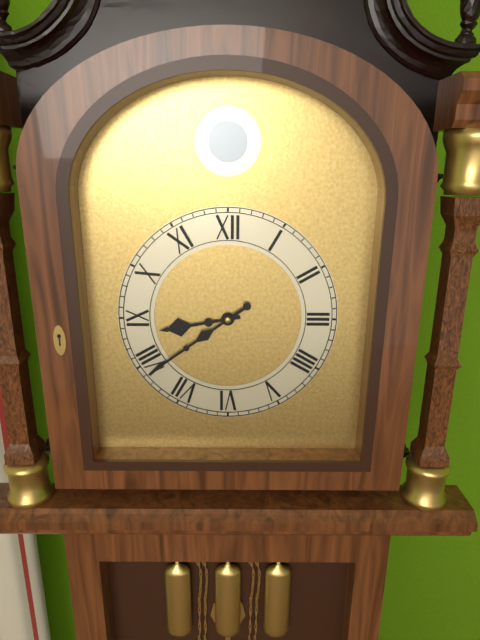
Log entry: 8:39
